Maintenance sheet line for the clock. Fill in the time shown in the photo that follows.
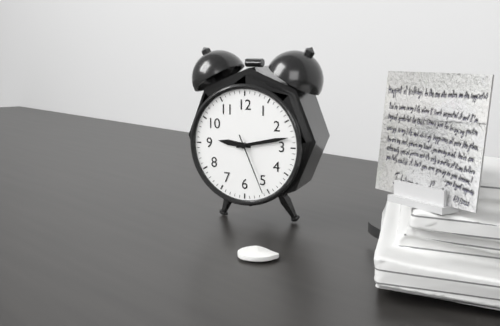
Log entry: 9:13:26
